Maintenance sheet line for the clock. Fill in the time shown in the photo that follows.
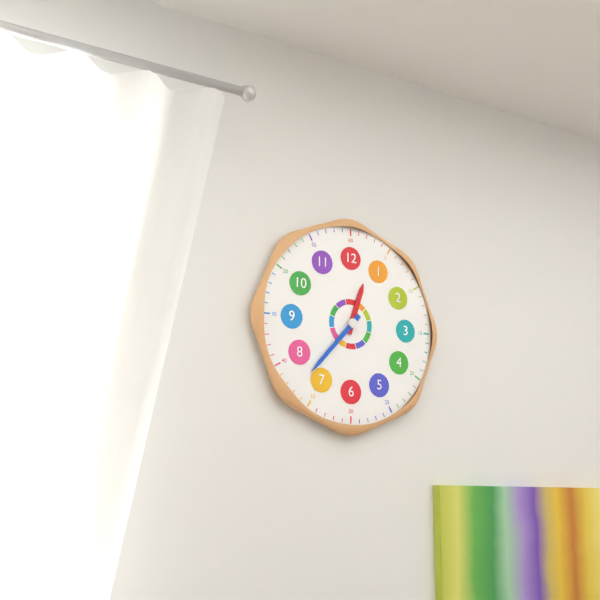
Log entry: 12:37
